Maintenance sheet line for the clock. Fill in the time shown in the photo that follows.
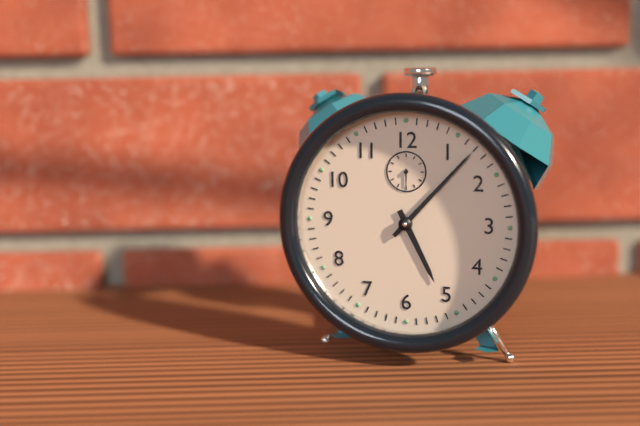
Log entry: 5:07
